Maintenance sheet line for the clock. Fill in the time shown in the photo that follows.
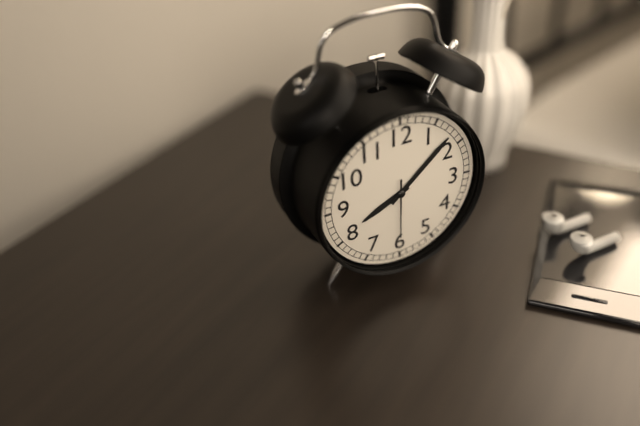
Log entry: 8:08:30
